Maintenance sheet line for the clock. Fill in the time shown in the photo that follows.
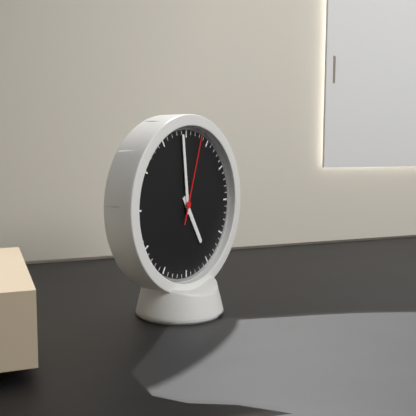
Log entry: 4:59:03
